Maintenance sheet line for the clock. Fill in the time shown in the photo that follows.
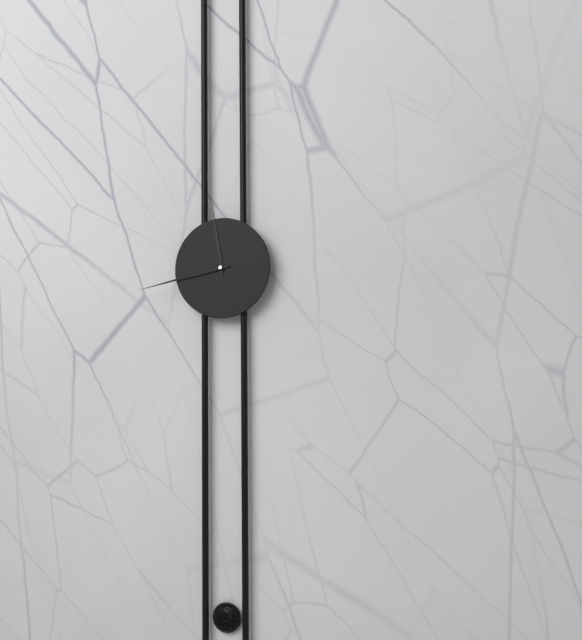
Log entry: 11:43
